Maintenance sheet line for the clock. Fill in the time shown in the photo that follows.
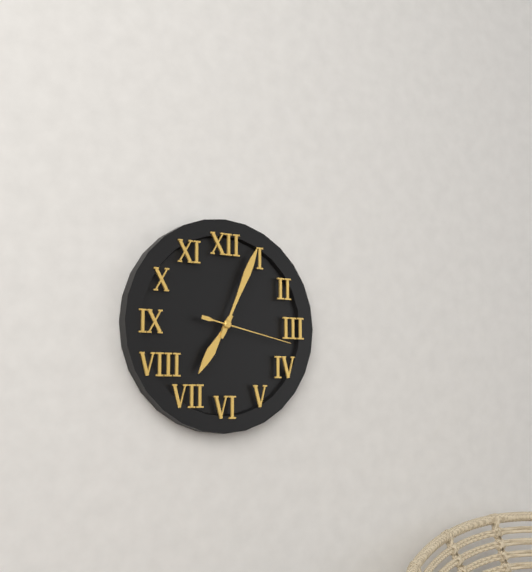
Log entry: 7:04:17
